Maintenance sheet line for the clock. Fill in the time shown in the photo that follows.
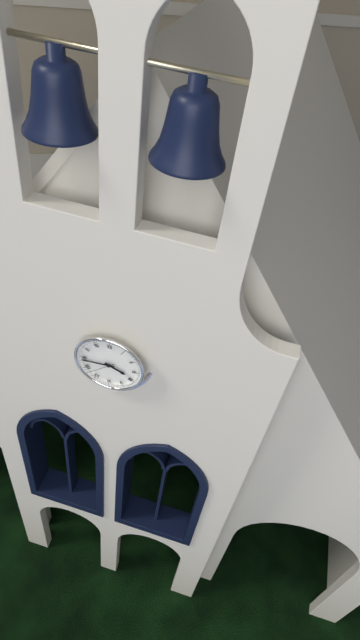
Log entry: 3:44
